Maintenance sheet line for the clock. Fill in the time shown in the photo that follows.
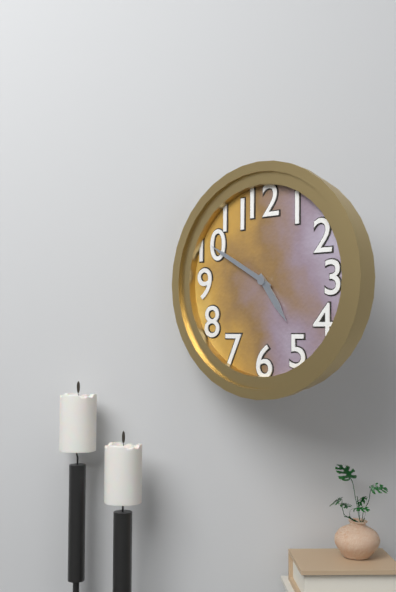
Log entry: 4:50
